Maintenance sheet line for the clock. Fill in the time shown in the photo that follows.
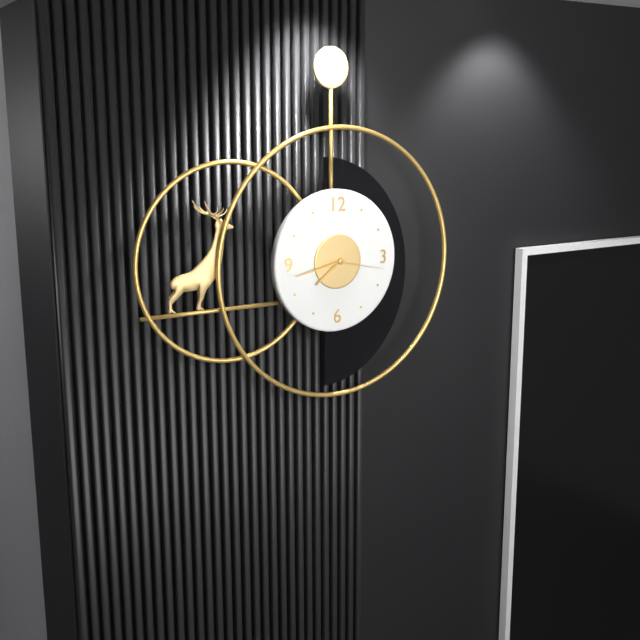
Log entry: 7:43:17
